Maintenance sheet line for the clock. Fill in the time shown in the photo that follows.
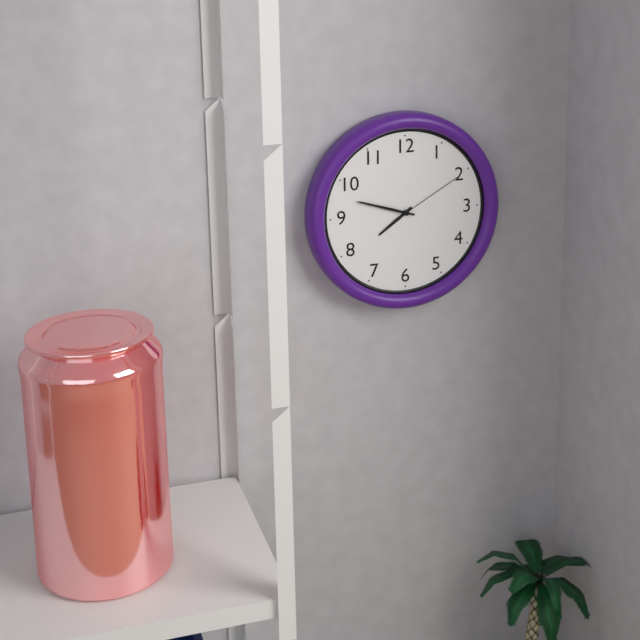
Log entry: 7:48:10
